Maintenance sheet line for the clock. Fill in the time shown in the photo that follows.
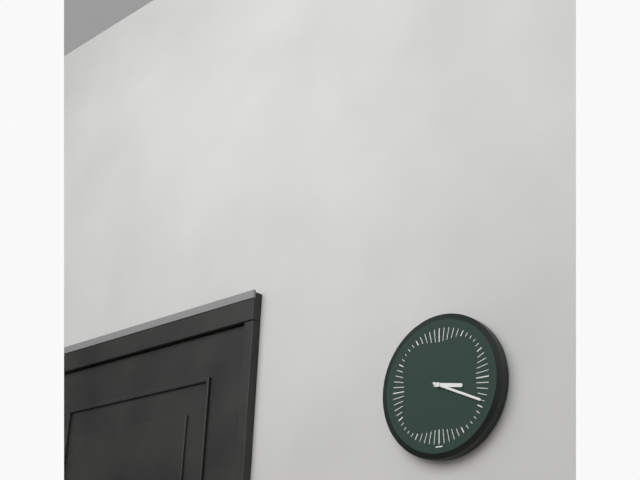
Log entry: 3:19
